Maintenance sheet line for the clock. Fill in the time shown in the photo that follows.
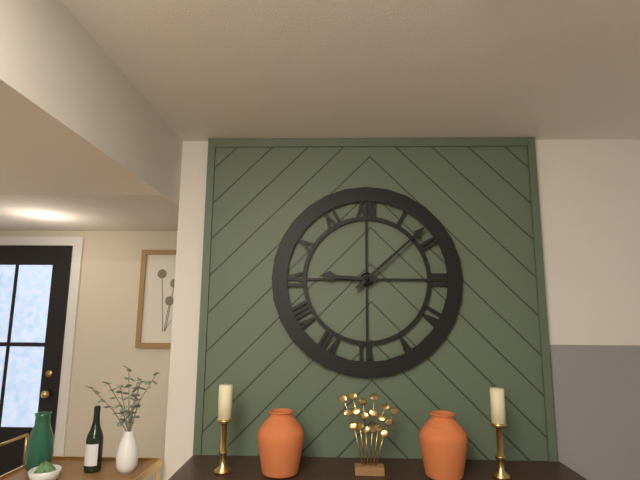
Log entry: 9:08
